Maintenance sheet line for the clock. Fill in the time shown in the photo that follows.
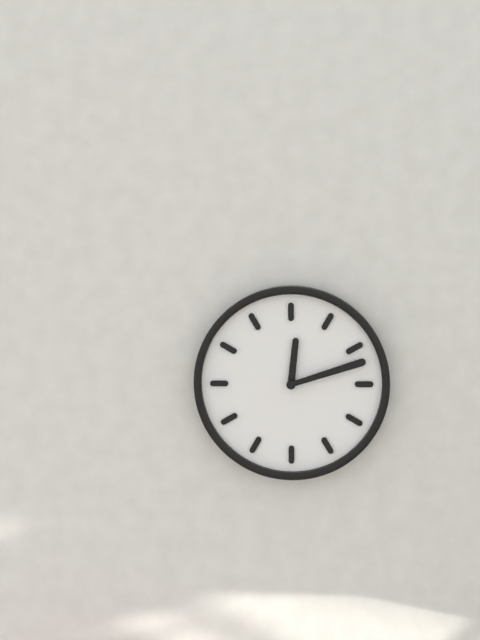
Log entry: 12:12
